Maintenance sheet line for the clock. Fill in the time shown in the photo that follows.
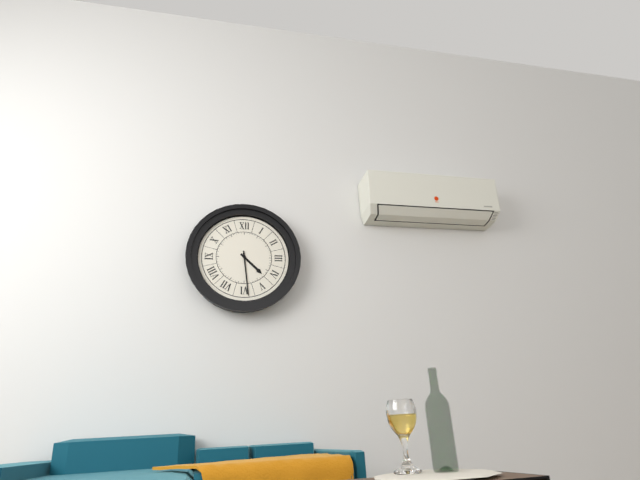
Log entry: 4:29
